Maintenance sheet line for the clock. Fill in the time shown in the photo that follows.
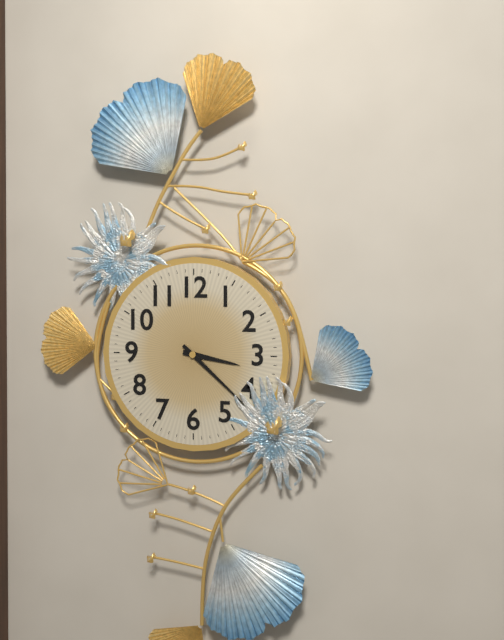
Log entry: 3:22
